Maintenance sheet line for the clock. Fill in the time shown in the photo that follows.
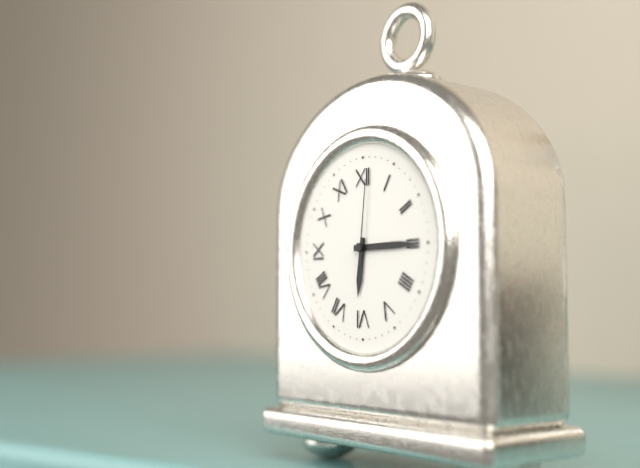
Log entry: 6:15:01
